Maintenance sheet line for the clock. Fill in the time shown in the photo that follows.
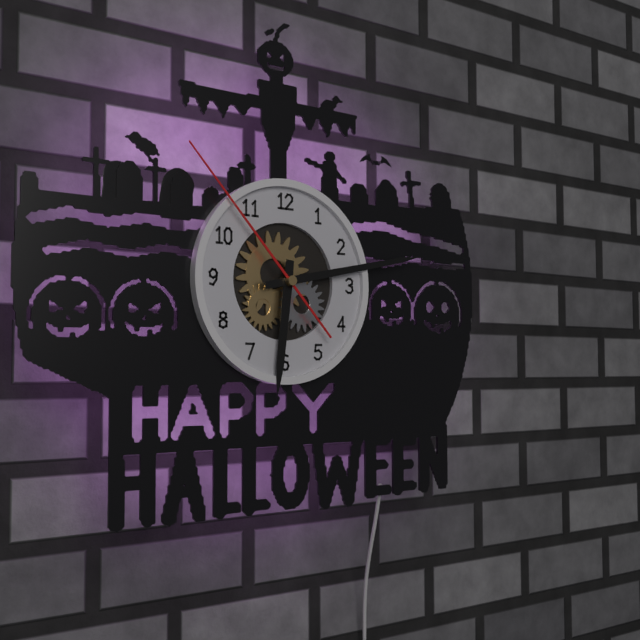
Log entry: 6:13:53
